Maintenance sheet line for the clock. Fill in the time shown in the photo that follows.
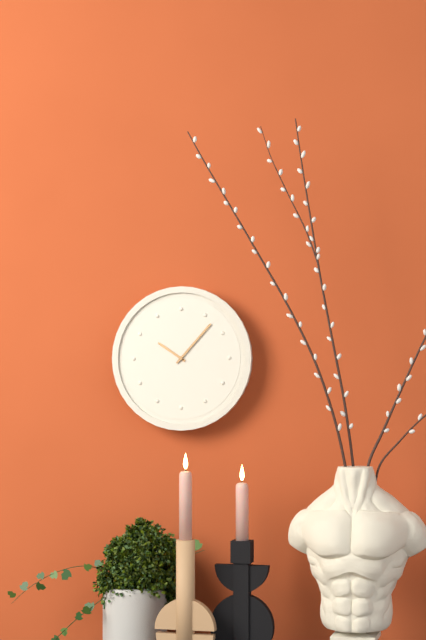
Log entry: 10:07
